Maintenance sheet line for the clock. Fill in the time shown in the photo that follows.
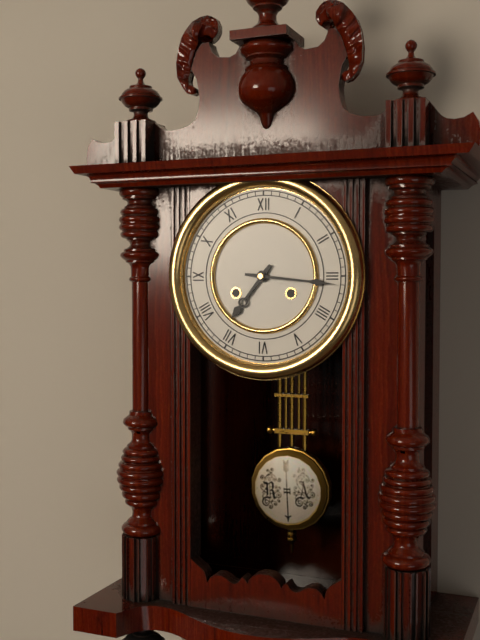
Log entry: 7:16
